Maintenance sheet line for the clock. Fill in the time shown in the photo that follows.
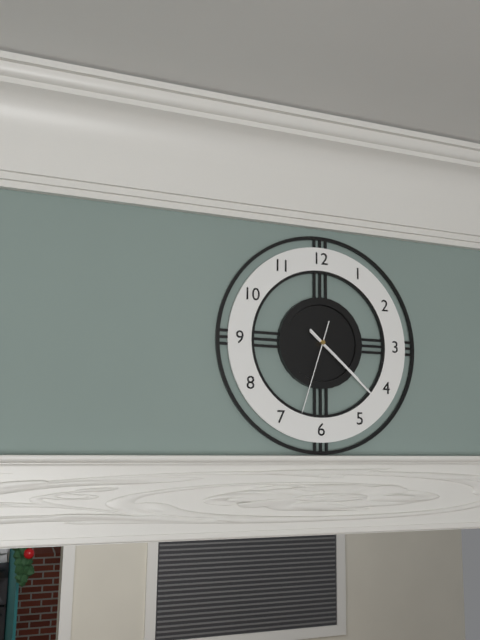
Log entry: 4:22:33
